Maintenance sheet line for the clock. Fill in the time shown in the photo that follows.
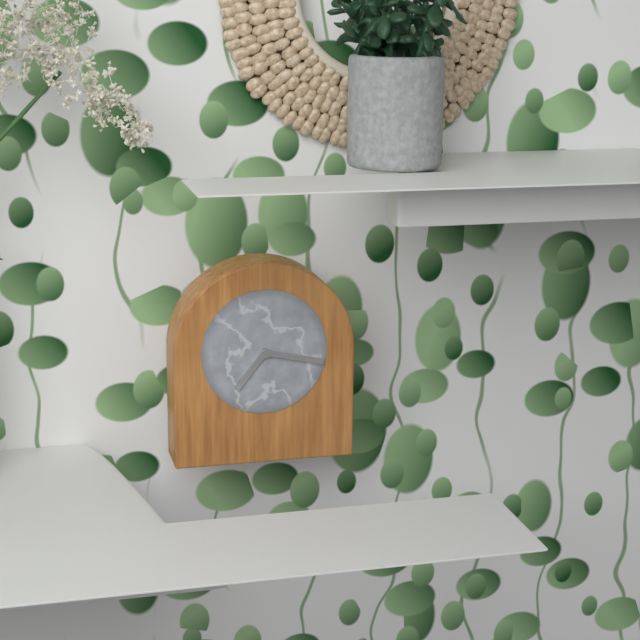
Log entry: 7:17
